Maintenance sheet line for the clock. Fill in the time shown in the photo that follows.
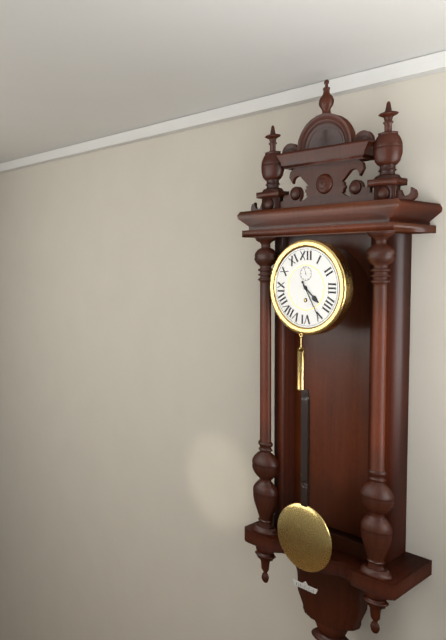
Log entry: 4:25
